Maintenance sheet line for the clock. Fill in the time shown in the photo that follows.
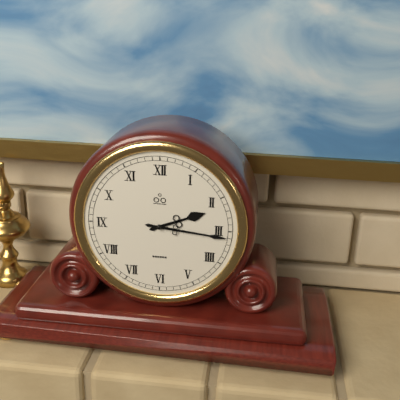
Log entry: 2:16
